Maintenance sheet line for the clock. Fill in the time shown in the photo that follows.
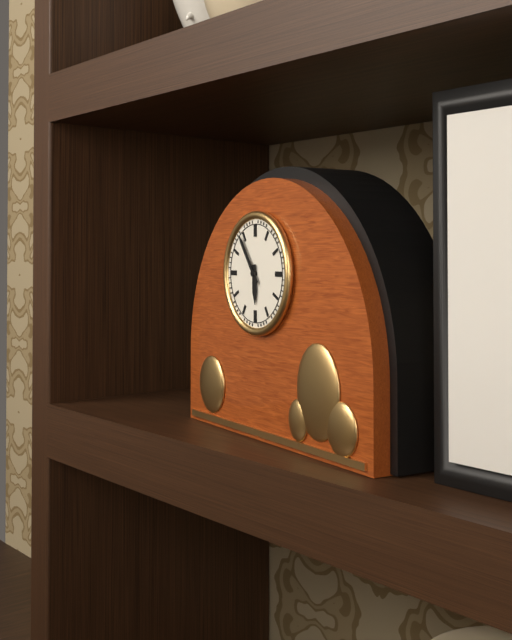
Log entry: 5:54
